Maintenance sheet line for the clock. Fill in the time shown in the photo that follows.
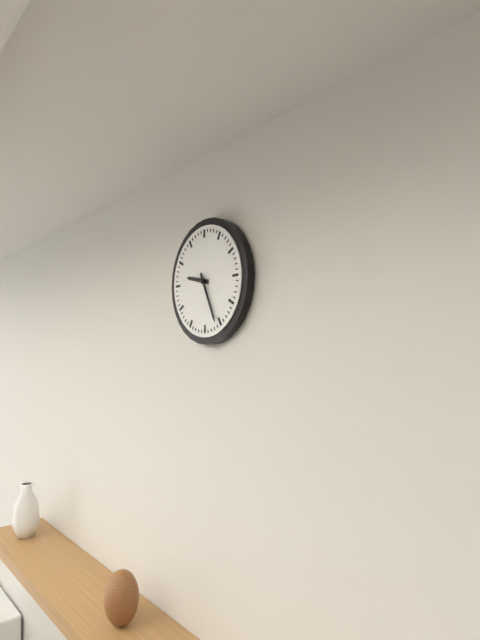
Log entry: 9:26
